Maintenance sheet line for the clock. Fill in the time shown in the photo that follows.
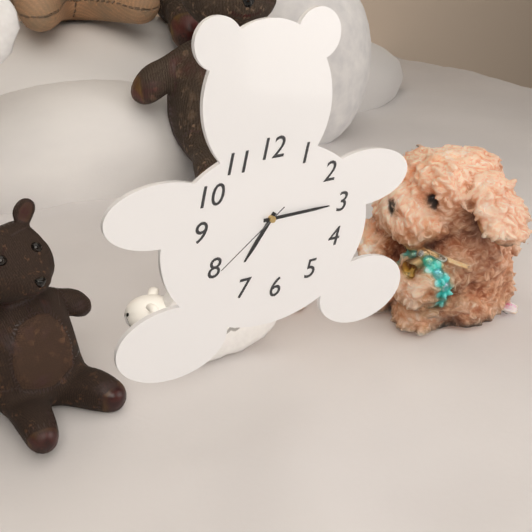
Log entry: 7:15:39
